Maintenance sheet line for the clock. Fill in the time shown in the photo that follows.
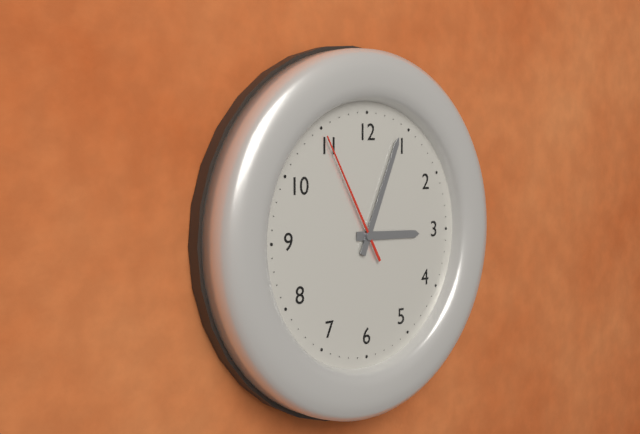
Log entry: 3:04:55
